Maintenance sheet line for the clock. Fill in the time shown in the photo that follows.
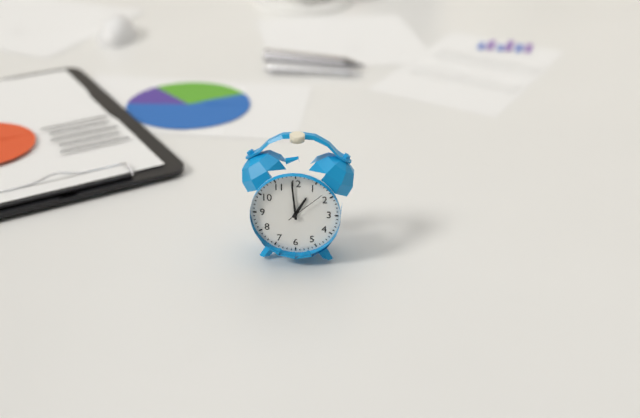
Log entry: 12:59
